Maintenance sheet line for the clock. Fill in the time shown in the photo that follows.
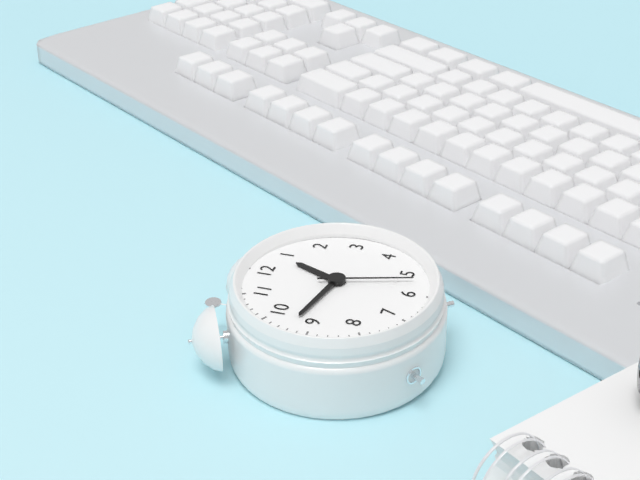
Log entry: 12:47:27
